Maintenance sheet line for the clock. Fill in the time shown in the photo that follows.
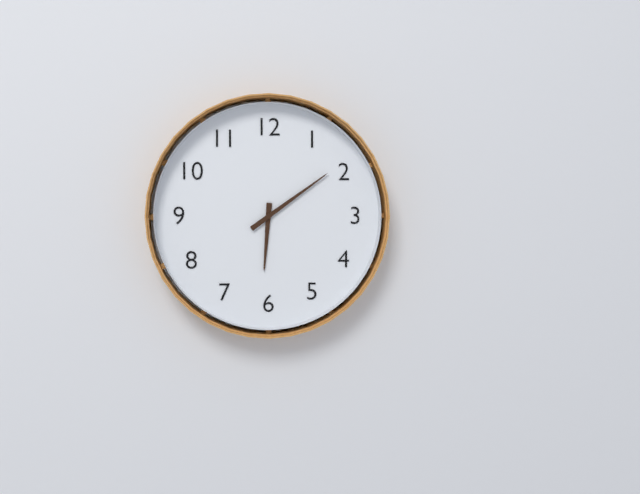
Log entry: 6:09
